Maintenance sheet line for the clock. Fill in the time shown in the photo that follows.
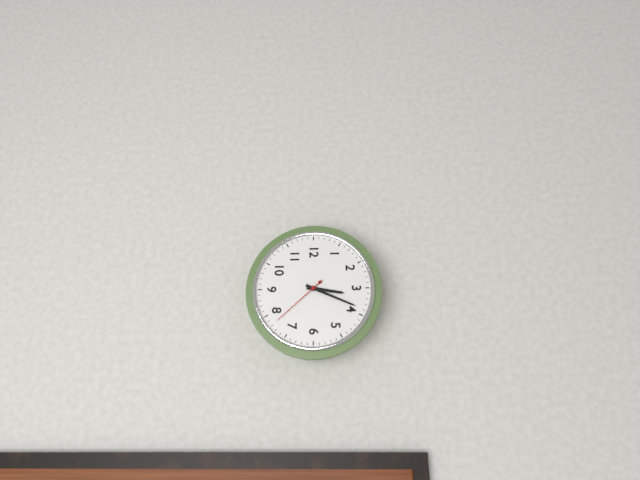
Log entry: 3:19:38
